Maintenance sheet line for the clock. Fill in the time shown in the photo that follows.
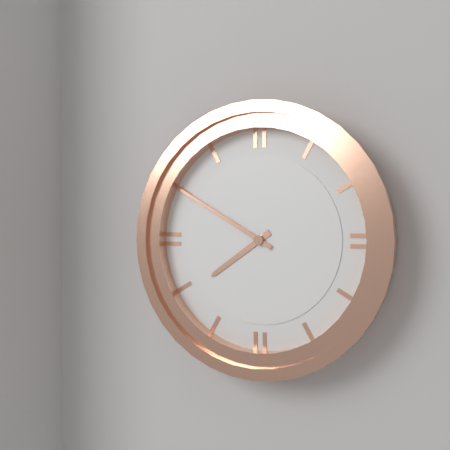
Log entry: 7:50
